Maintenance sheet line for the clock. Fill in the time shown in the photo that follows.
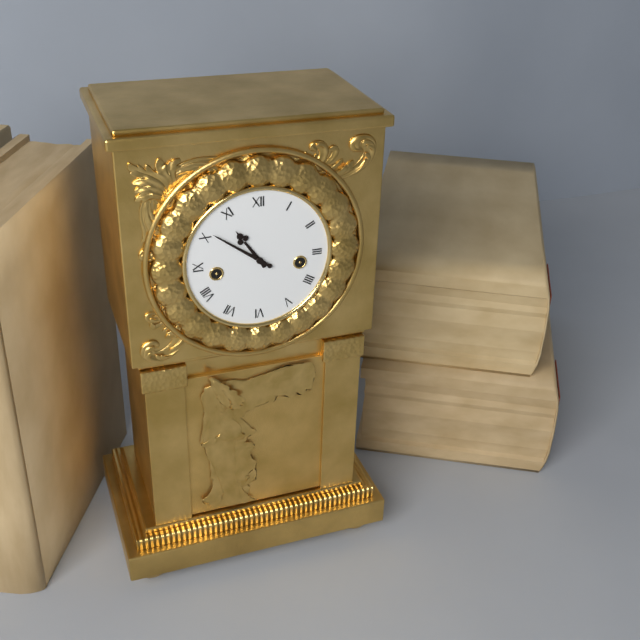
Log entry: 10:51
